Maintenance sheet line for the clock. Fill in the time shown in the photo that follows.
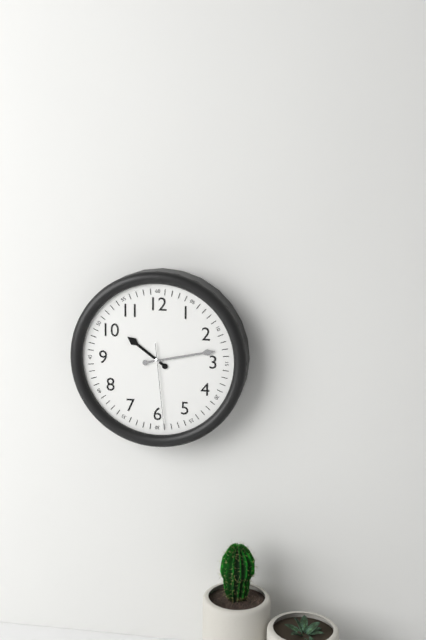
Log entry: 10:13:29
